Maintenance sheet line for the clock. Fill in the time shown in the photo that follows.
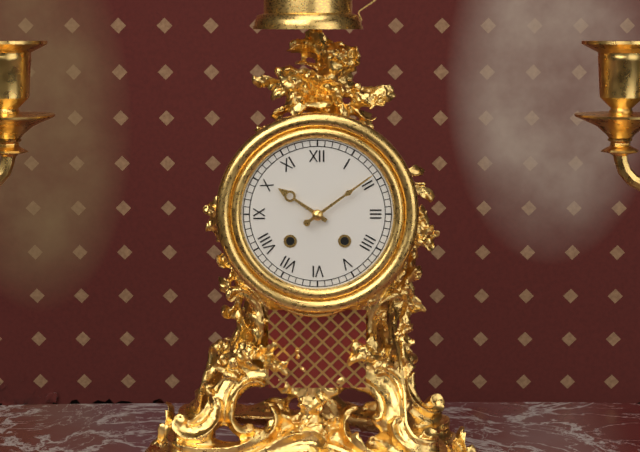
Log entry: 10:09
